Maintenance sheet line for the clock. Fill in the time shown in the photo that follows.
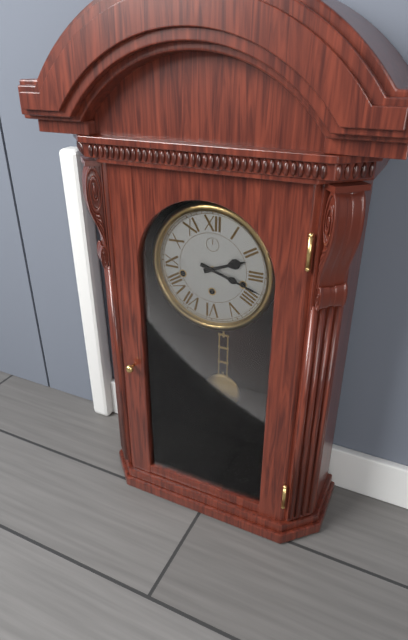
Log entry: 2:18
